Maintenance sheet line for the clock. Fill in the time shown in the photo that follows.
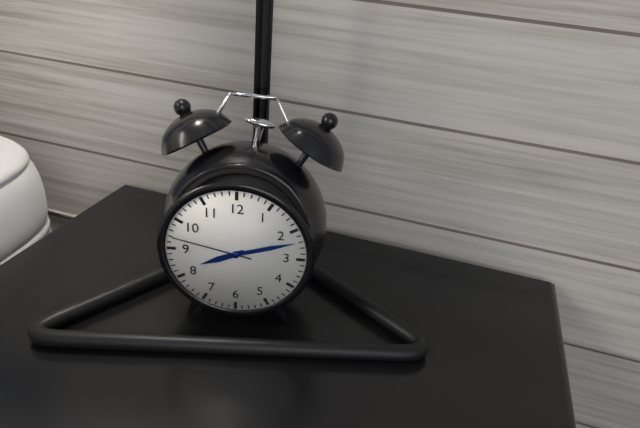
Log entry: 8:12:47
